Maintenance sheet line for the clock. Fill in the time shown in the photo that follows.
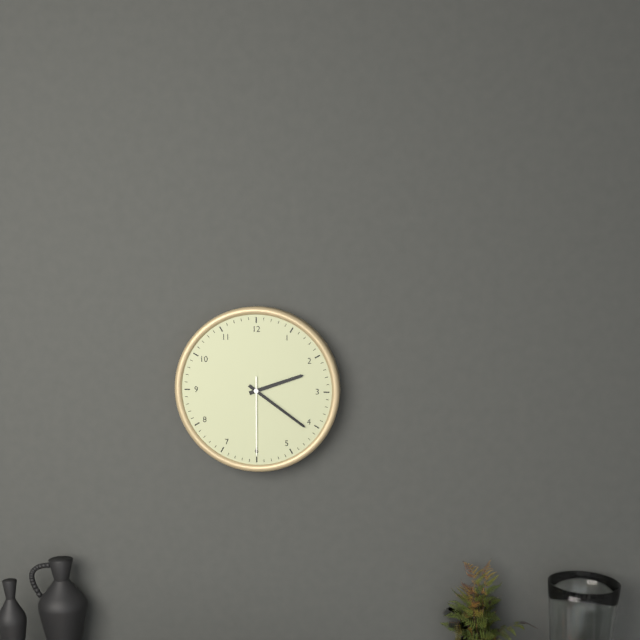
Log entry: 2:21:30
